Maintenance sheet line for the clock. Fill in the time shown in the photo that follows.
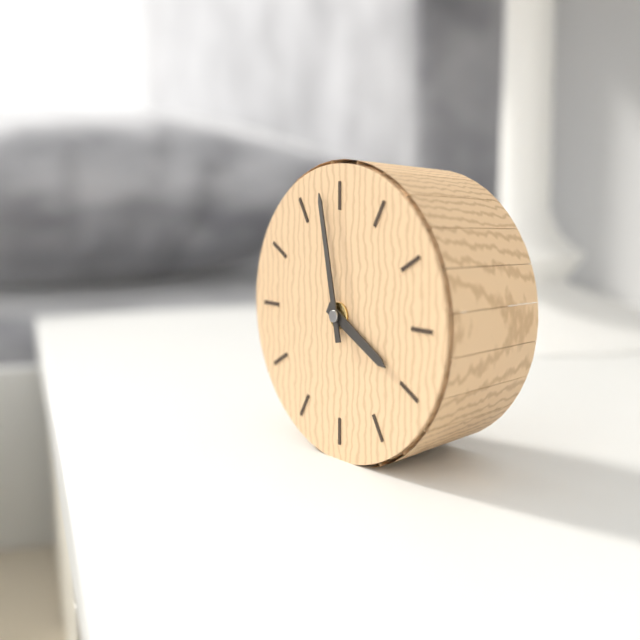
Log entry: 3:58
